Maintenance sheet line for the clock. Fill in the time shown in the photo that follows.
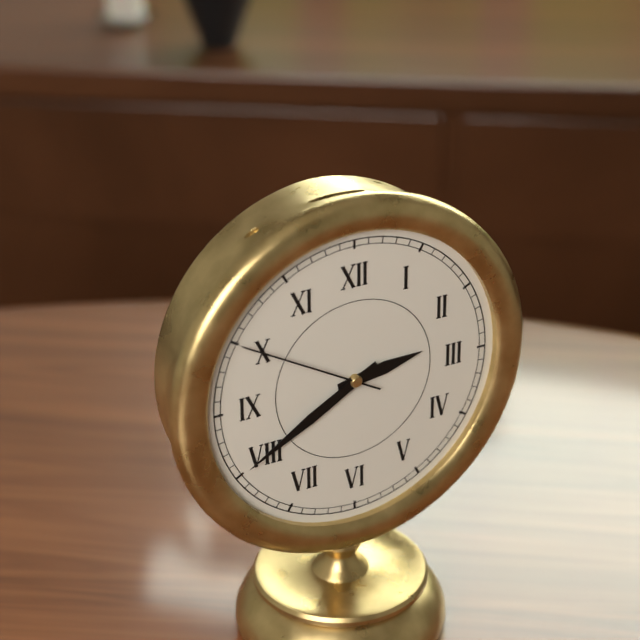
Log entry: 2:40:50
